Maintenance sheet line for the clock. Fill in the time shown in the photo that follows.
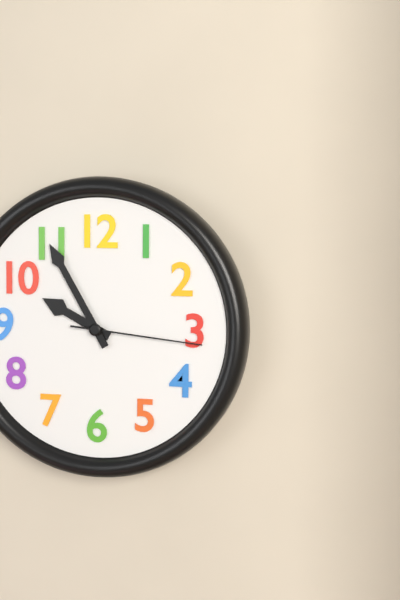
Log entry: 9:55:16
